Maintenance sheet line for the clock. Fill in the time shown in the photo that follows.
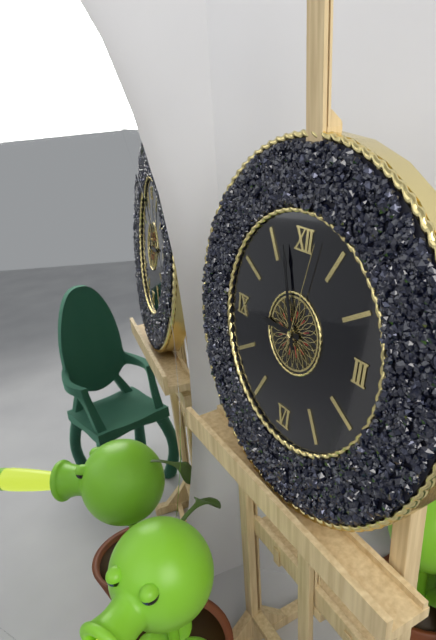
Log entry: 8:57:02
